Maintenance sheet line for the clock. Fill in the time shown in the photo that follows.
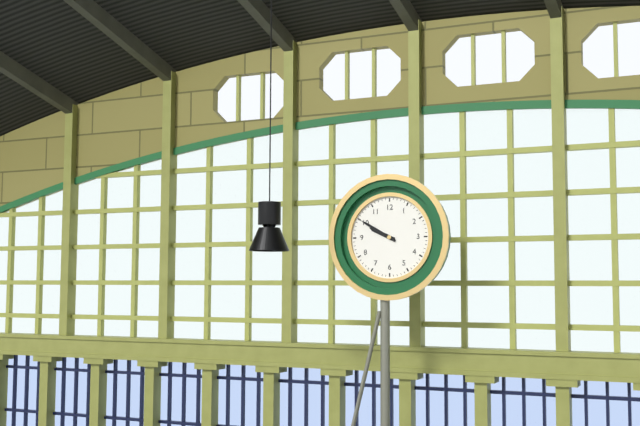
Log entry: 9:50
